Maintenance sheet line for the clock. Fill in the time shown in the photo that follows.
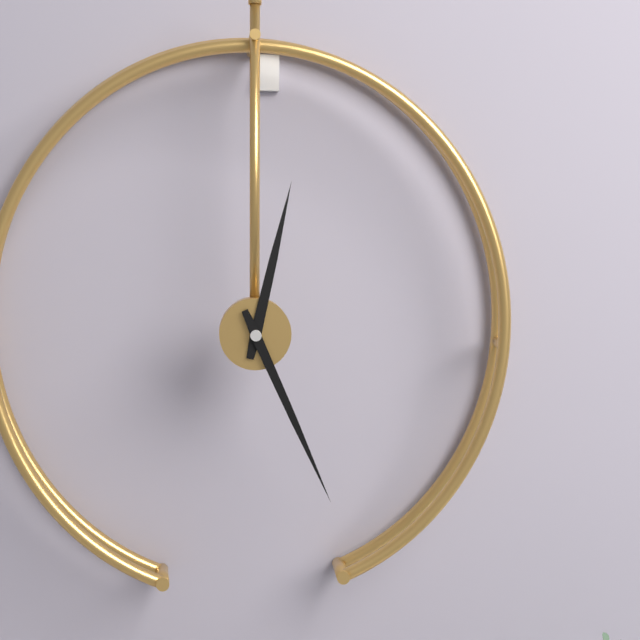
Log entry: 12:26
